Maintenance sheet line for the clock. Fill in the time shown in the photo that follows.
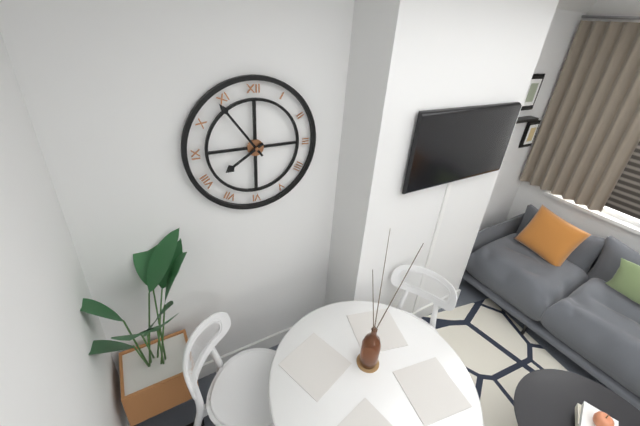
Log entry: 7:54
